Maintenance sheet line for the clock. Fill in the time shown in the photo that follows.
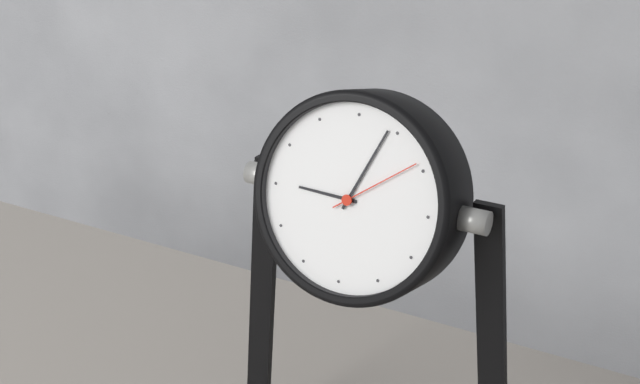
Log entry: 9:04:09
